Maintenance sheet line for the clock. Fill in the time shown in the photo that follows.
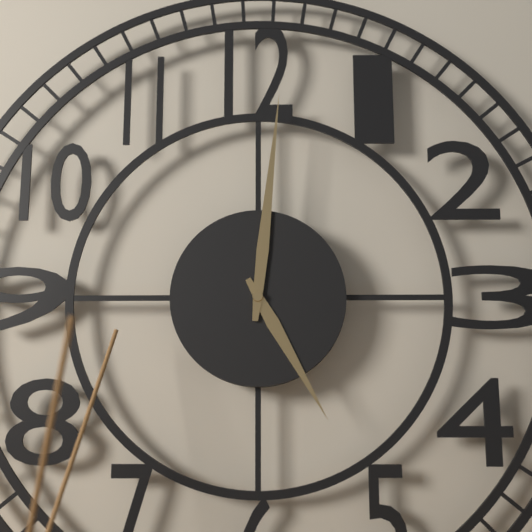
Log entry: 5:01
